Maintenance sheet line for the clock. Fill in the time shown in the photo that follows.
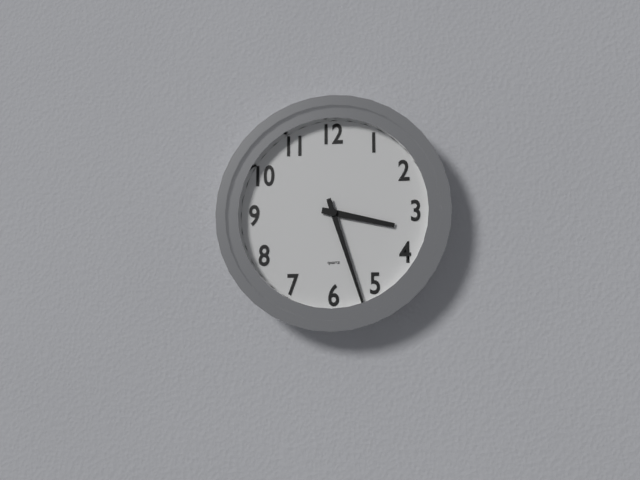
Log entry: 3:27
